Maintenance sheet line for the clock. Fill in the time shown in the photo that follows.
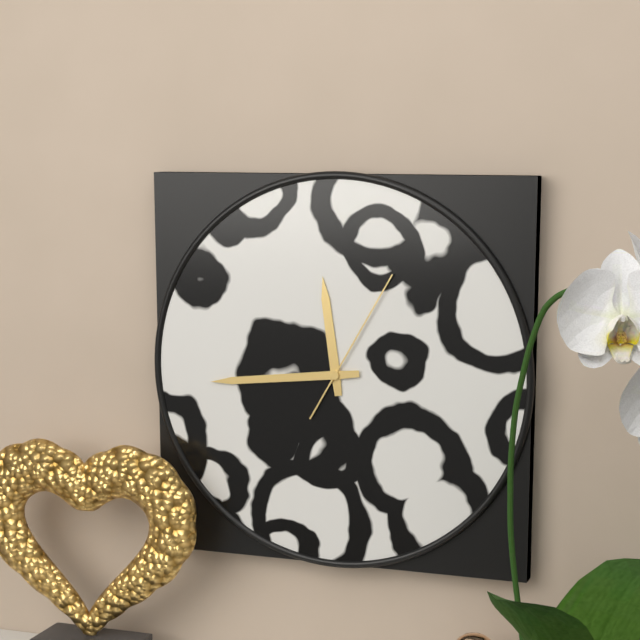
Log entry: 11:44:05
